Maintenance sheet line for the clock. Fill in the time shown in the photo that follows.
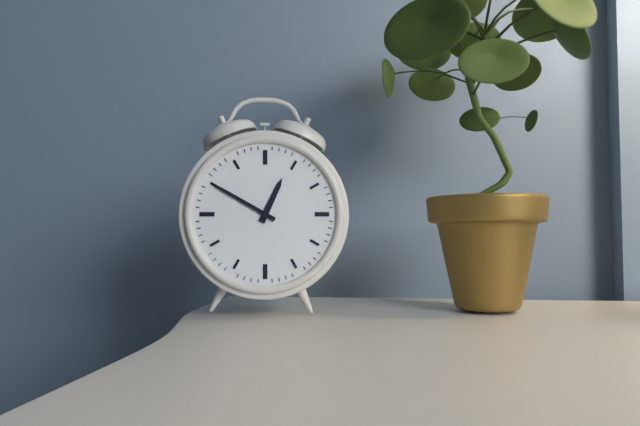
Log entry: 12:50
